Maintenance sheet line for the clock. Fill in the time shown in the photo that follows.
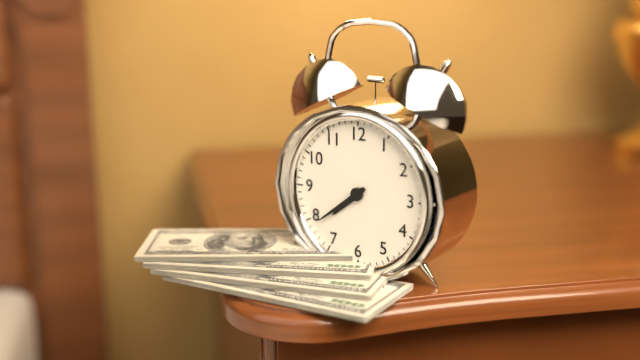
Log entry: 7:39
